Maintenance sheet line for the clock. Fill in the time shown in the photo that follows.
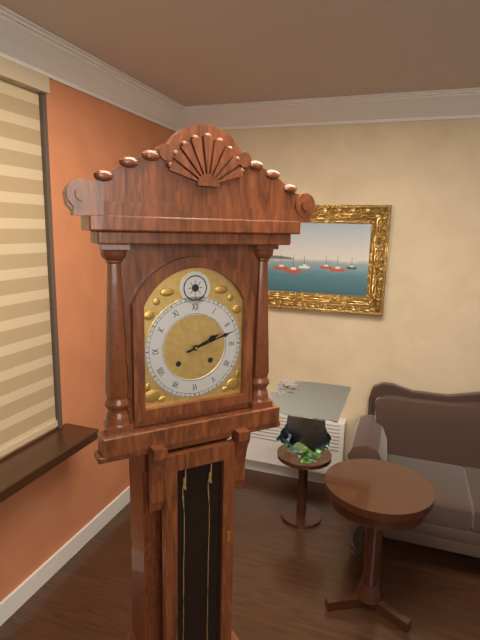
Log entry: 2:12
